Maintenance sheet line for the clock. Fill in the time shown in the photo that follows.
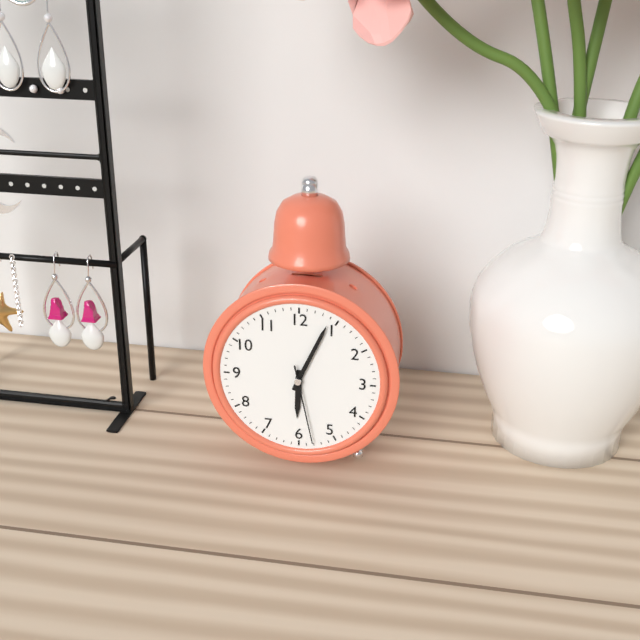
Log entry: 6:04:28
